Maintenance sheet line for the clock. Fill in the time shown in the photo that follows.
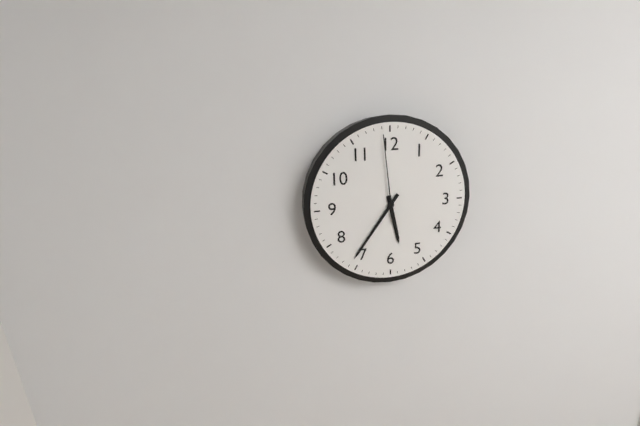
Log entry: 5:36:59
